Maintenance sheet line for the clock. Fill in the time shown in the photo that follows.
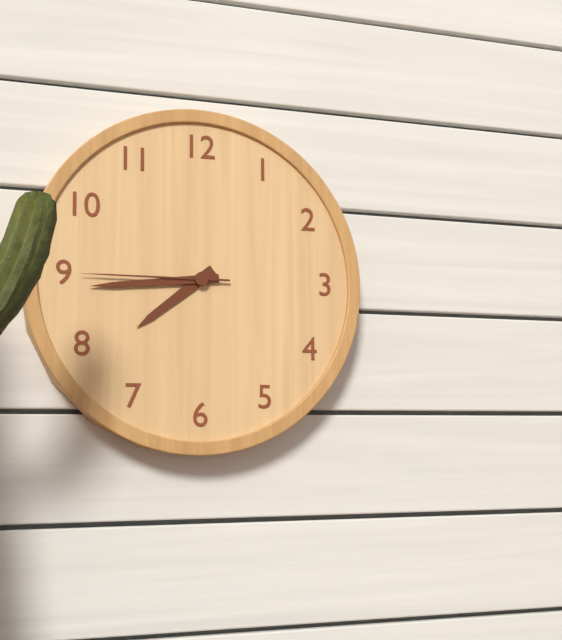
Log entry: 7:44:45
